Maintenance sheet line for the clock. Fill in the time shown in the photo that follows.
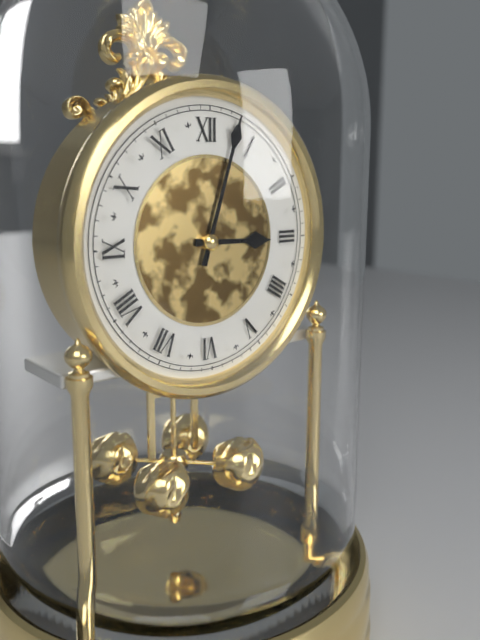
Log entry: 3:03
